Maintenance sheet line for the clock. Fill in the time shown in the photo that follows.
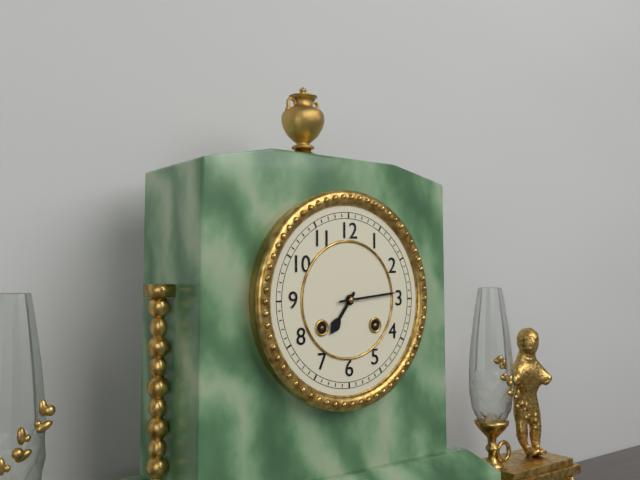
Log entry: 7:14
